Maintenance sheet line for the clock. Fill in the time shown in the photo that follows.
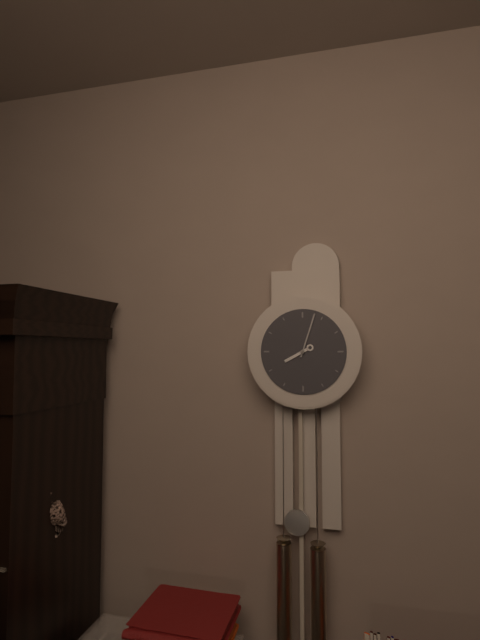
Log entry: 8:03
